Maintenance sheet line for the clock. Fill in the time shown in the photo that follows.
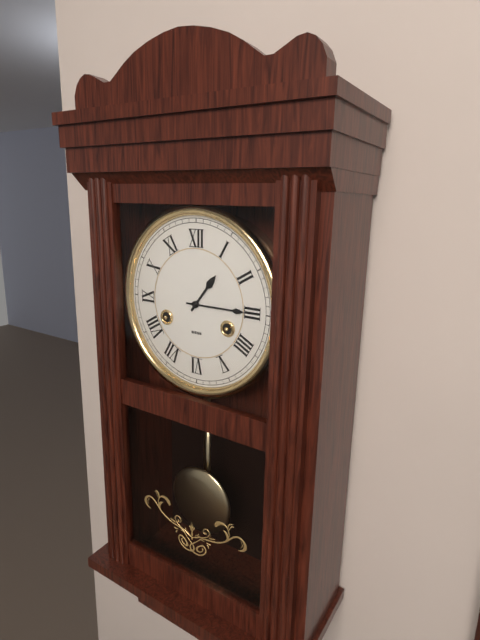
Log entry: 1:15
